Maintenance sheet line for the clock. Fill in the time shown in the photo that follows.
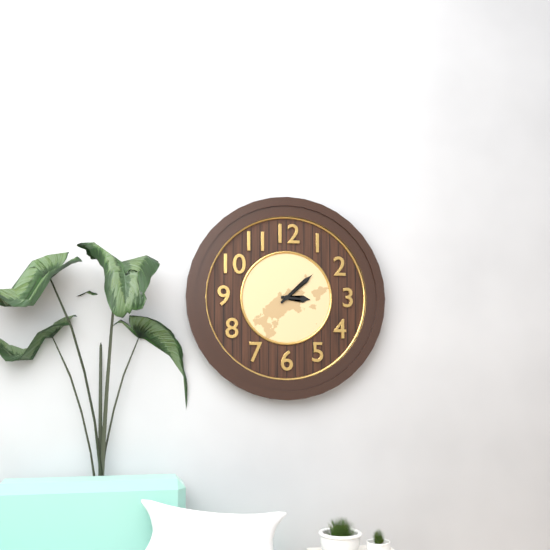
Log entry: 3:08
